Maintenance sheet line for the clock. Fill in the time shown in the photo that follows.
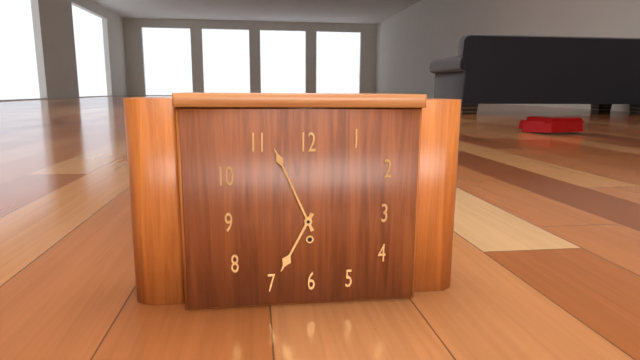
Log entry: 6:56
